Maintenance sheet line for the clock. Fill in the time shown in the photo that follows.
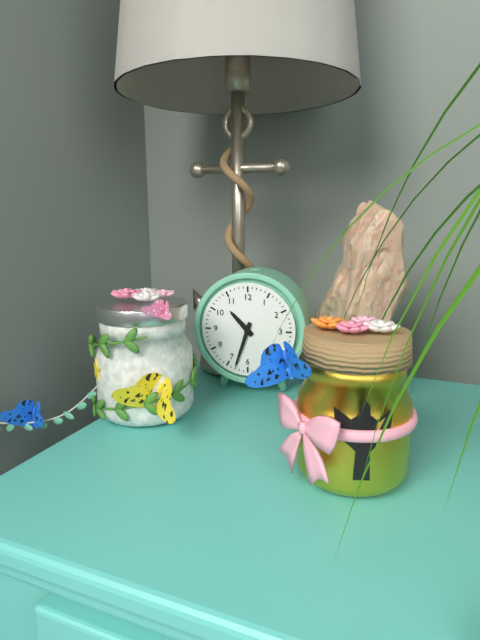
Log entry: 10:33
